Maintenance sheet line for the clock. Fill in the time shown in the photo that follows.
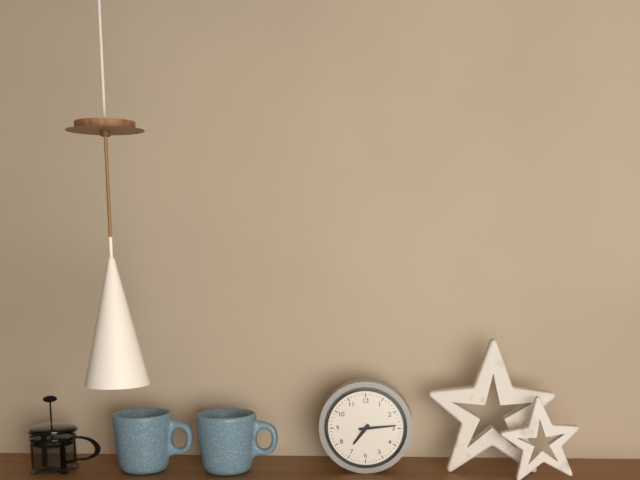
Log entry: 7:14
